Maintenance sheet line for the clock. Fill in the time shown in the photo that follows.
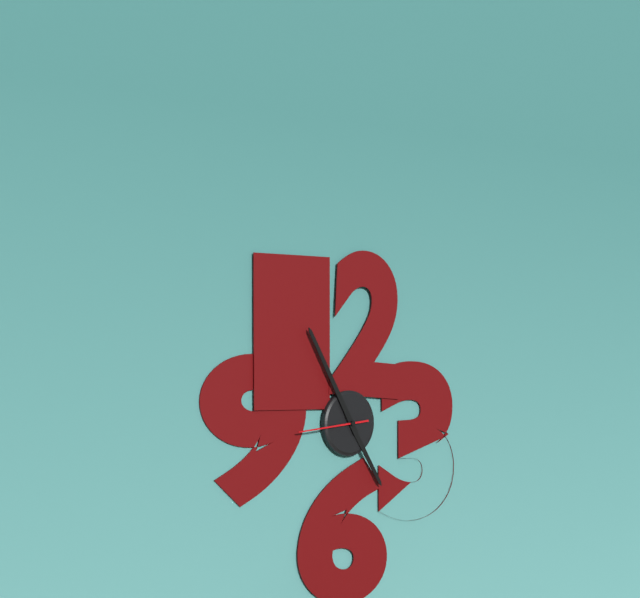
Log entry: 4:55:44
